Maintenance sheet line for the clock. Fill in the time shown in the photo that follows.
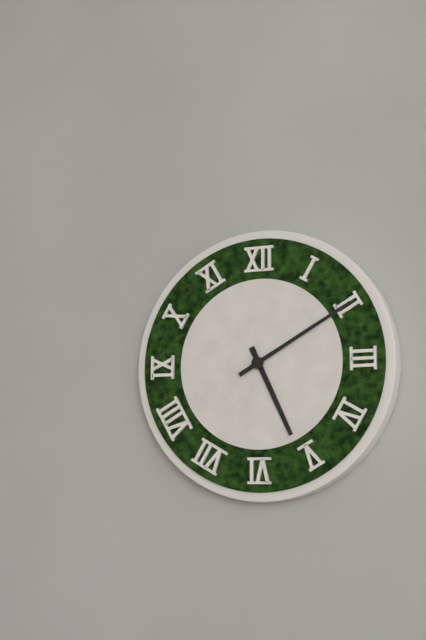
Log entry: 5:10
